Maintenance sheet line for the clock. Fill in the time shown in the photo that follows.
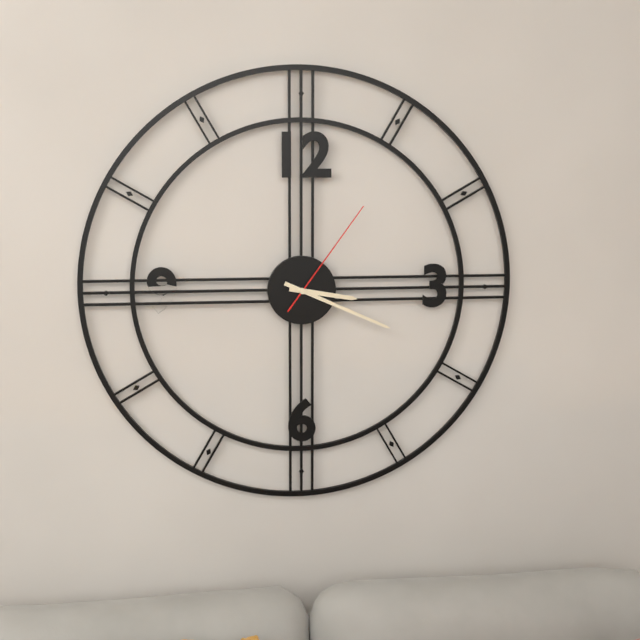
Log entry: 3:19:06
